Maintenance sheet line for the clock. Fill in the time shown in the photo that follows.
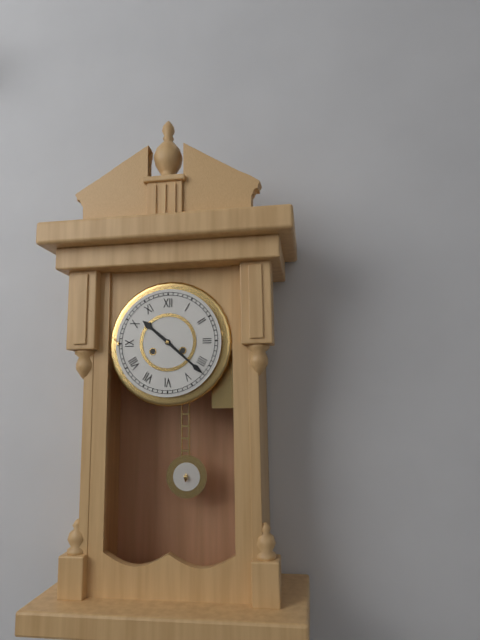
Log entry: 10:22
